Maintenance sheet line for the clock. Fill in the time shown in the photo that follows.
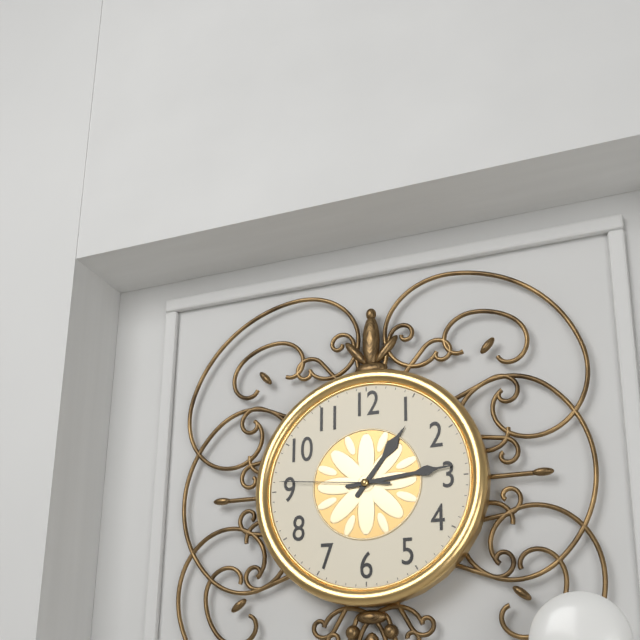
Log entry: 1:14:46
